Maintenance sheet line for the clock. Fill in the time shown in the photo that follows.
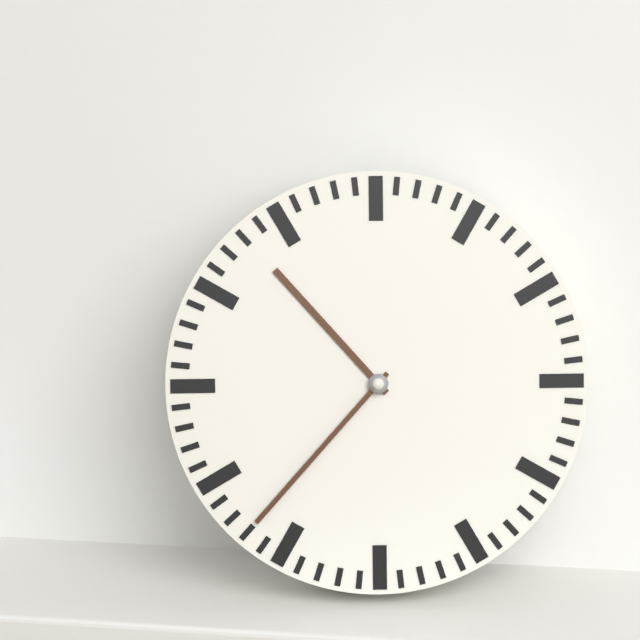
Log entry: 10:37
